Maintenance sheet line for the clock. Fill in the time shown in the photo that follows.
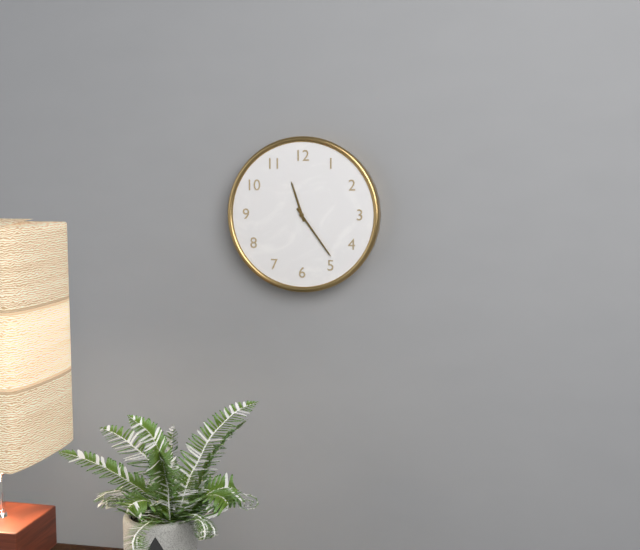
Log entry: 11:24
